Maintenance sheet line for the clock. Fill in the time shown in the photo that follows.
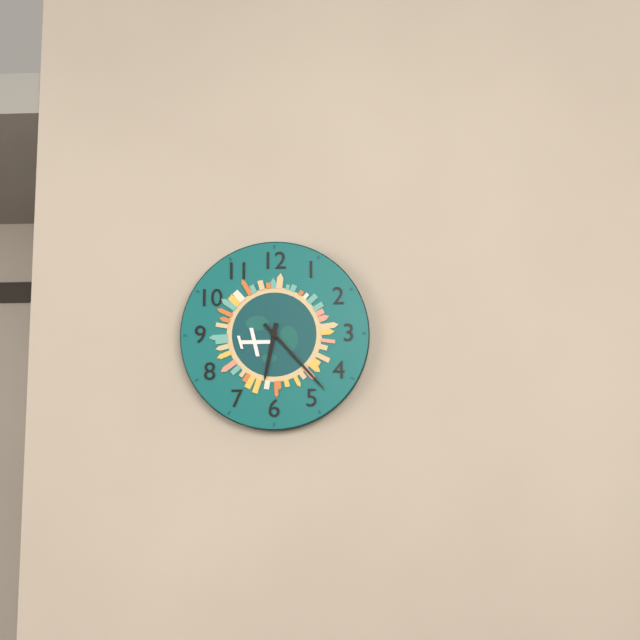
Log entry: 6:23
